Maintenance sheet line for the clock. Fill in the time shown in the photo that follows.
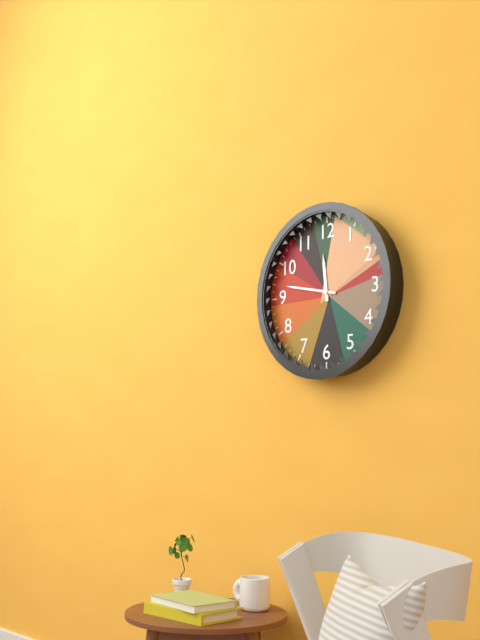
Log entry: 11:47
